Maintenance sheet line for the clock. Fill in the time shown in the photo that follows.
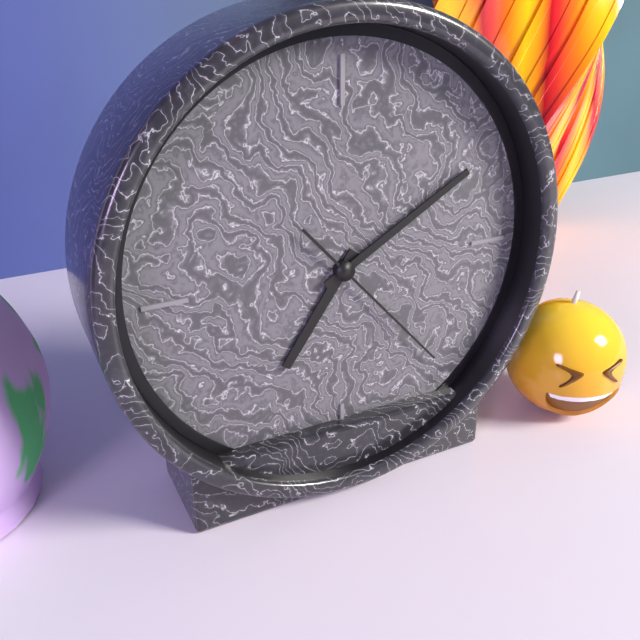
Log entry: 7:10:23
